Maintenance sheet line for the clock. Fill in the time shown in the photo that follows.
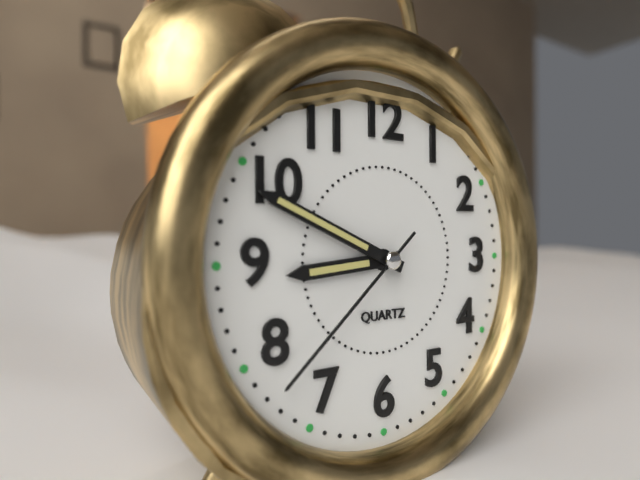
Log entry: 8:49:38
